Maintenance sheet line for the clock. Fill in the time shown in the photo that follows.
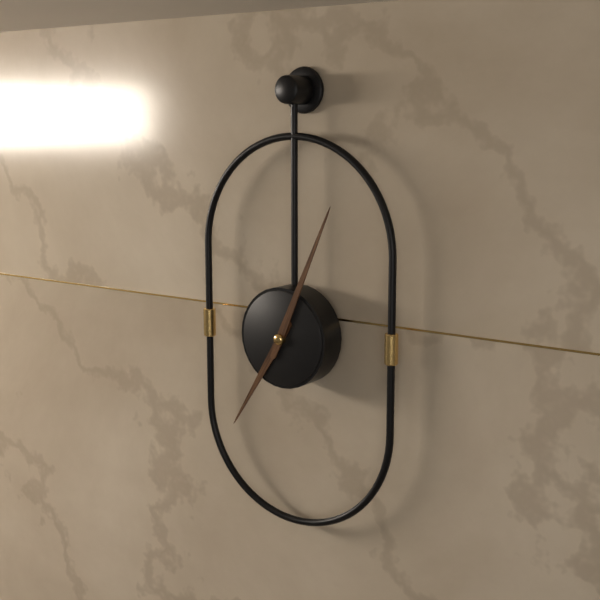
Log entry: 7:04
